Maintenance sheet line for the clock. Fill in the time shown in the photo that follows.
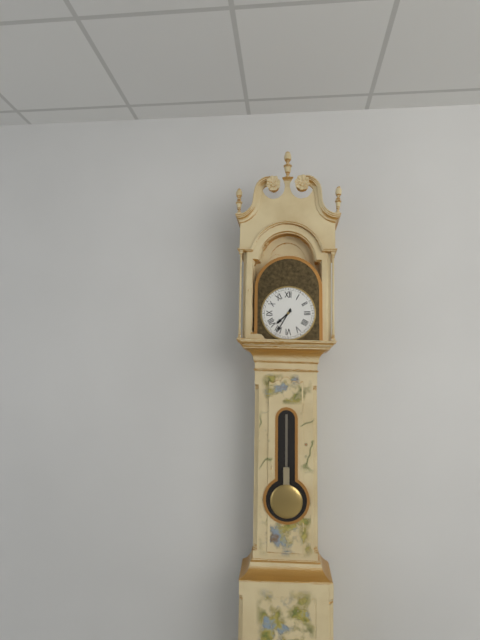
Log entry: 7:35
